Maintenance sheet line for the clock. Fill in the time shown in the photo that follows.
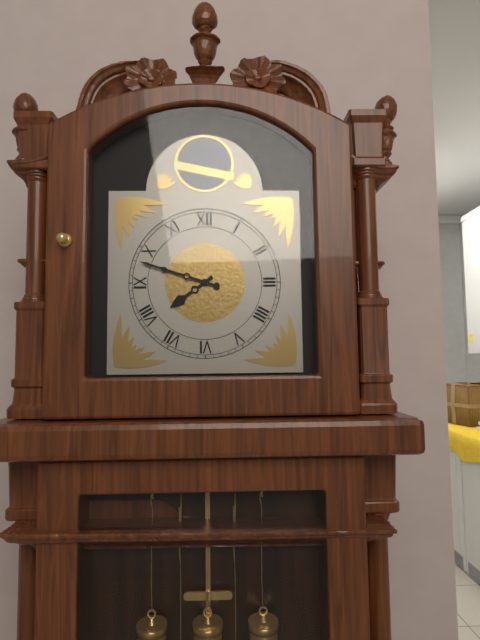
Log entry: 7:48
